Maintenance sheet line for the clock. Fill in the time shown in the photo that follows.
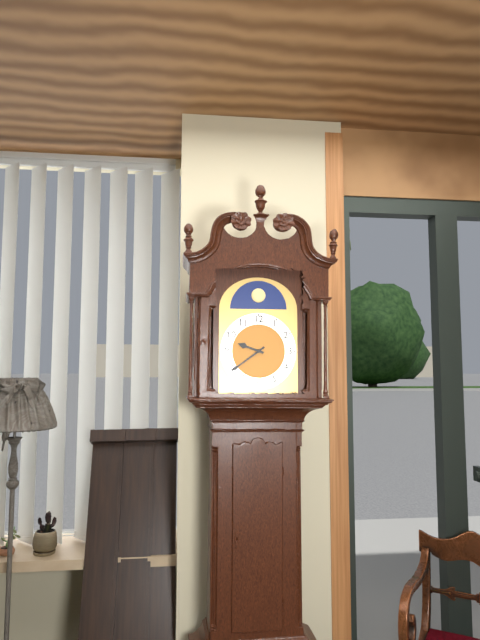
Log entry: 9:39
